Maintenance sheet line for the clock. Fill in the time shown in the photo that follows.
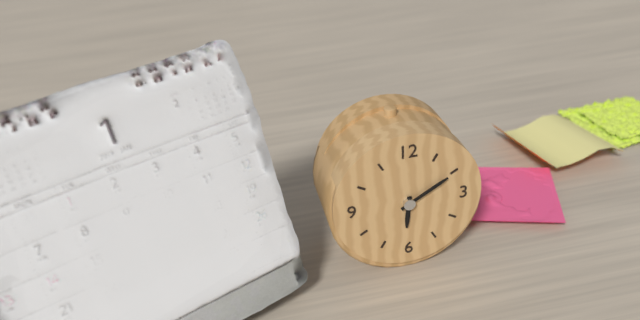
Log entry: 6:10
